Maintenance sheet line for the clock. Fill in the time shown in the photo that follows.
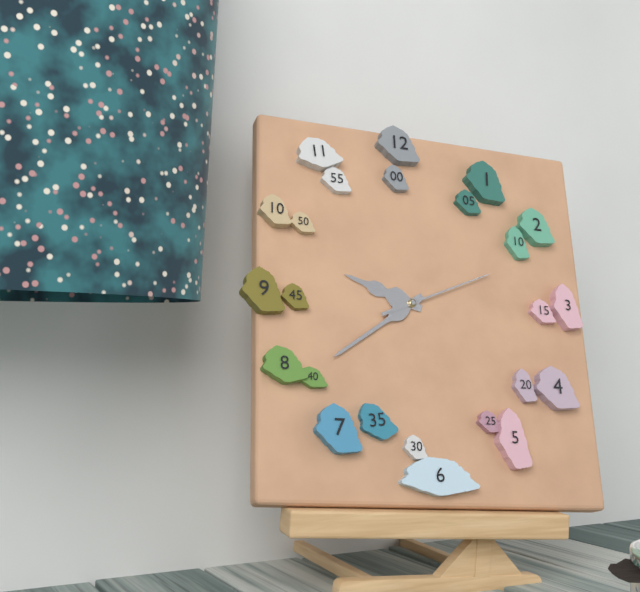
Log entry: 9:39:11
